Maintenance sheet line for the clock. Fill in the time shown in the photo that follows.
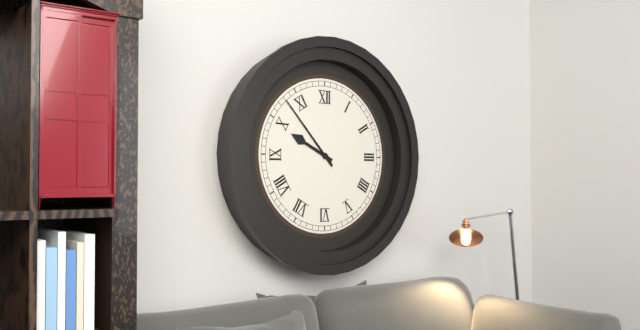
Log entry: 9:53
